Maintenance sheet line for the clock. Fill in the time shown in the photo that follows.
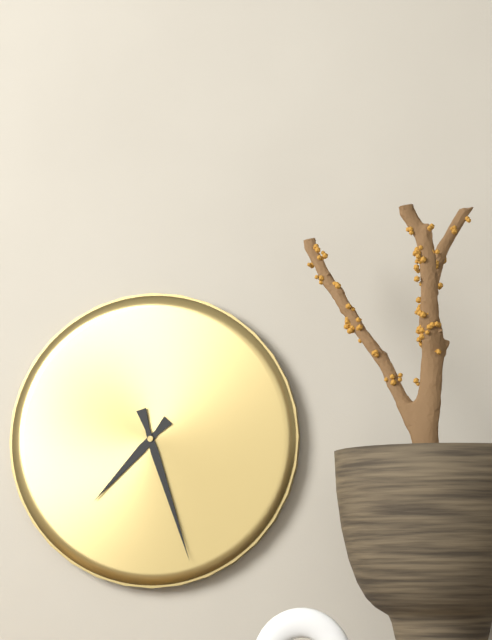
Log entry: 7:27
